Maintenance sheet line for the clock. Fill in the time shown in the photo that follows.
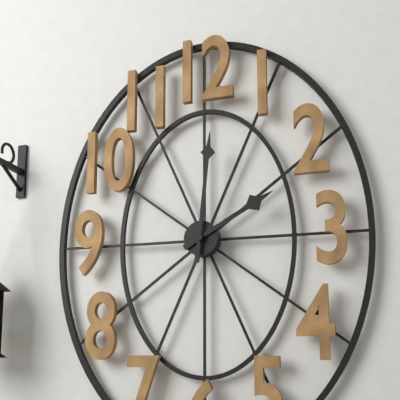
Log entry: 2:01
